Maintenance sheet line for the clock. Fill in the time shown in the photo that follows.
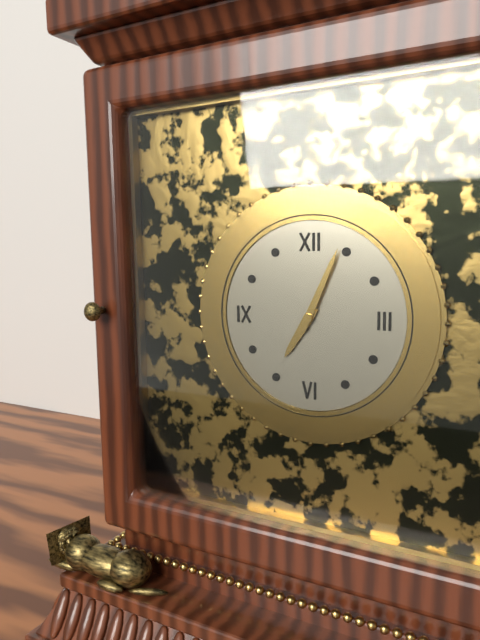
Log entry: 7:04
